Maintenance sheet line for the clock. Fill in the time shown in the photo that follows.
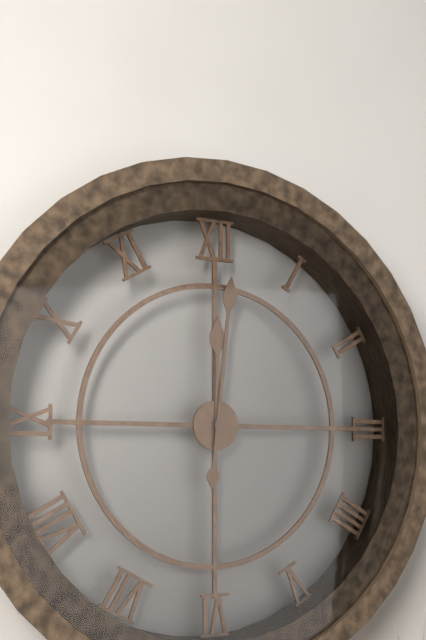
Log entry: 12:01
